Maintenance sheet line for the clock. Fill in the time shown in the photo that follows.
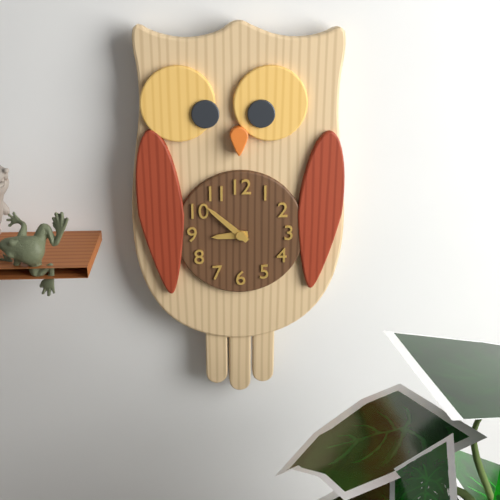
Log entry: 8:52
